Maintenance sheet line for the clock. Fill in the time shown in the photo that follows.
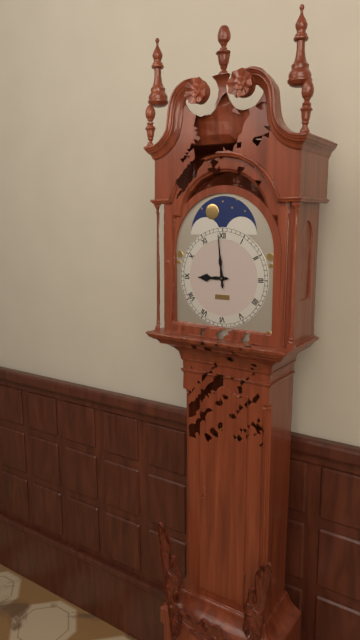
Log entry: 8:59
